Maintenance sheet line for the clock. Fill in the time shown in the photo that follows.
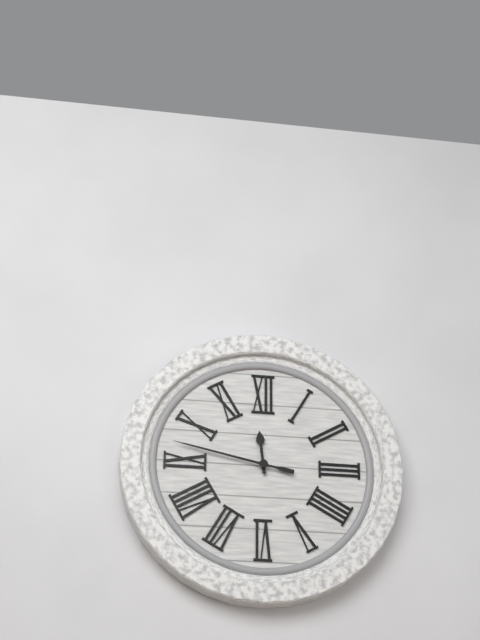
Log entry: 11:47
